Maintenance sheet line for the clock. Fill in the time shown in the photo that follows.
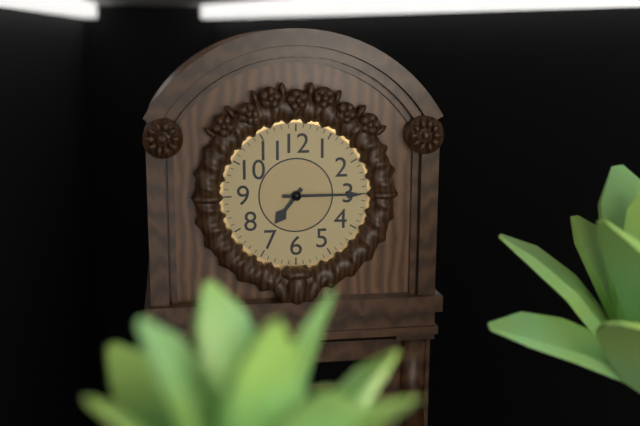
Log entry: 7:15
